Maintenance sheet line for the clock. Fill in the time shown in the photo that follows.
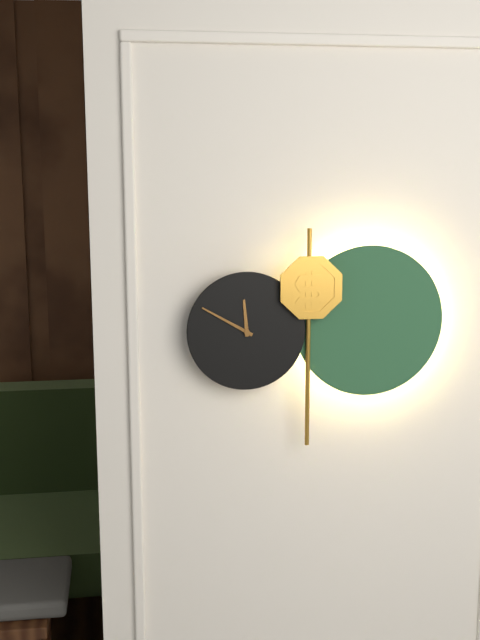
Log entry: 11:50
